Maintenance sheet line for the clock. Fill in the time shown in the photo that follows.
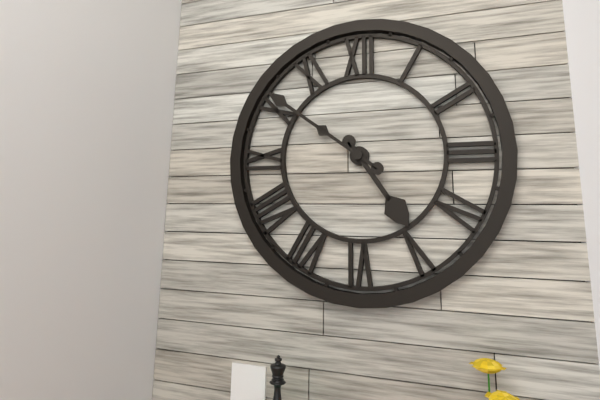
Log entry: 4:51
